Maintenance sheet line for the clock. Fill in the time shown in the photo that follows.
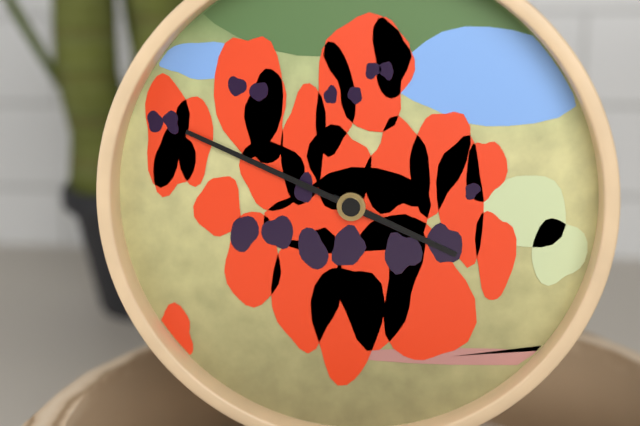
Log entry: 3:49
